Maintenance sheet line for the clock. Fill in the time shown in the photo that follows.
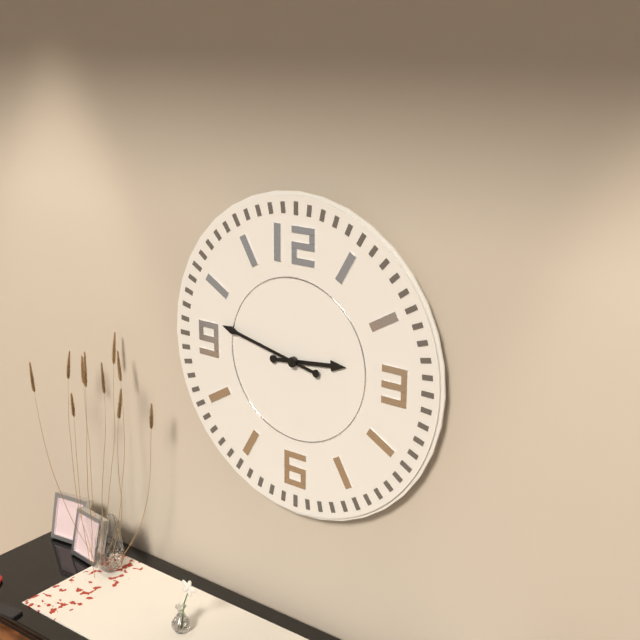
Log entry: 2:47
